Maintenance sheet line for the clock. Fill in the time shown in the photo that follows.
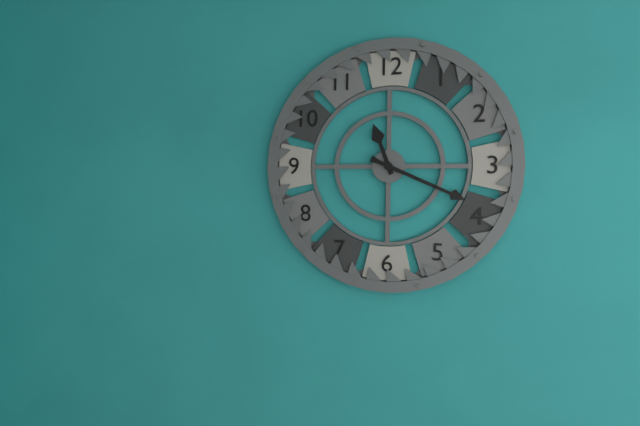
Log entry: 11:19
